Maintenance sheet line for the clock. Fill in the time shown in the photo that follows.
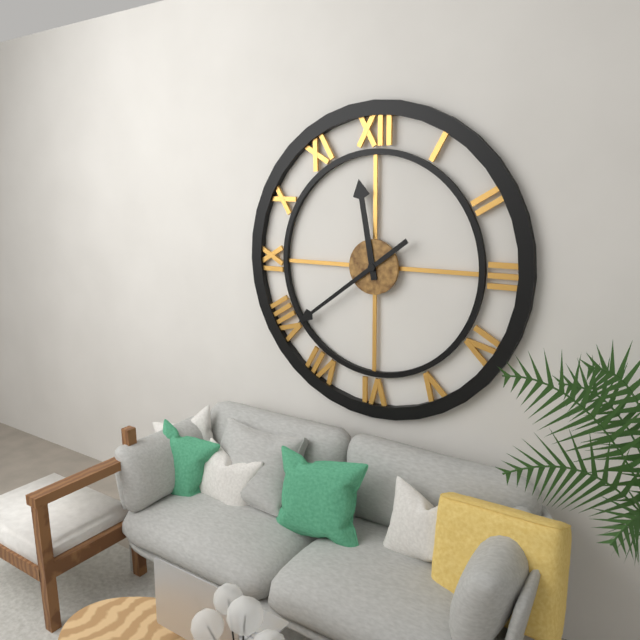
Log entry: 11:39
